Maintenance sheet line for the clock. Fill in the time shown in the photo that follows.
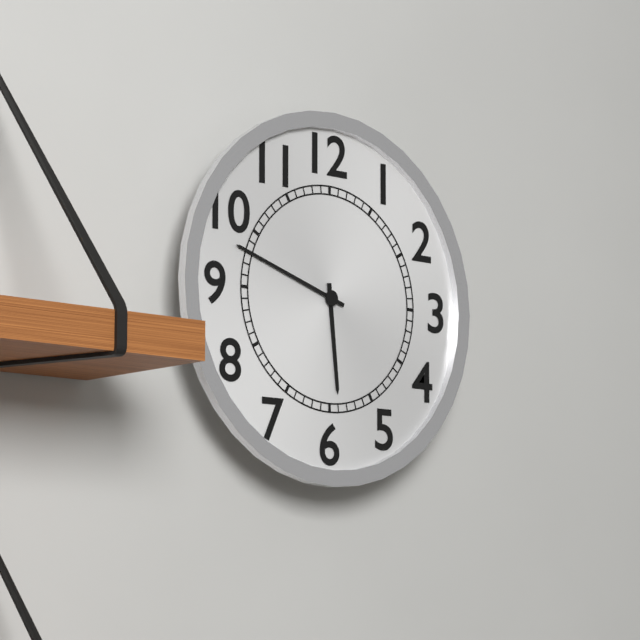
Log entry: 5:48
